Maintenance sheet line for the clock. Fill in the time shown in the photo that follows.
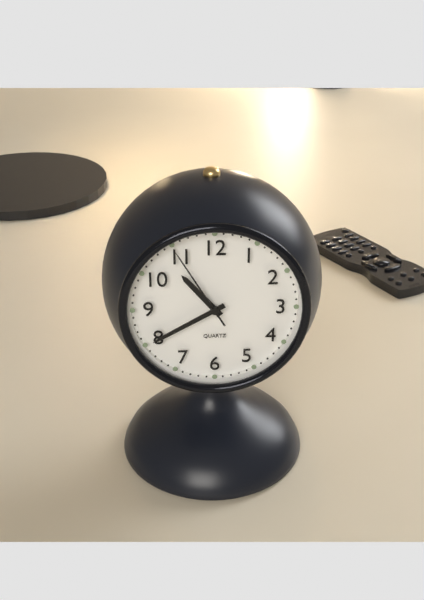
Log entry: 10:40:55
